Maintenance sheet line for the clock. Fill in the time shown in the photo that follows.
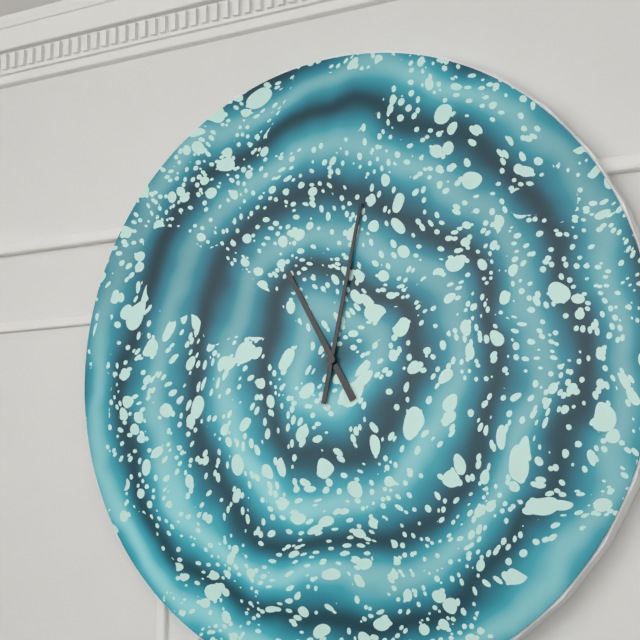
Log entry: 11:02
